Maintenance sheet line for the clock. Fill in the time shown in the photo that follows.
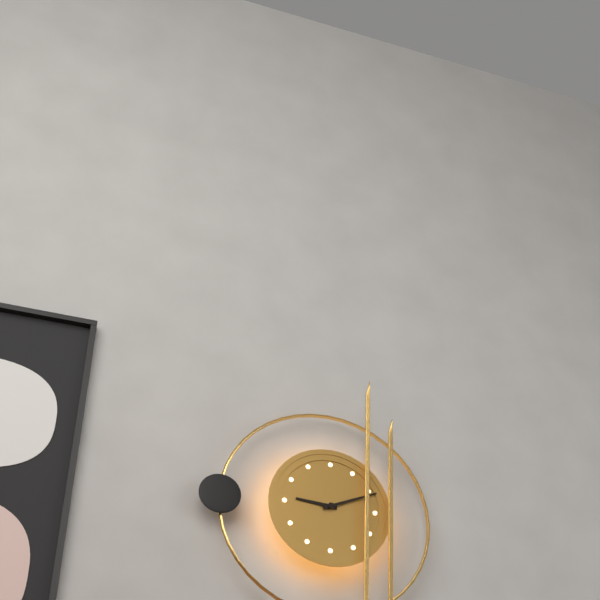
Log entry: 9:11
